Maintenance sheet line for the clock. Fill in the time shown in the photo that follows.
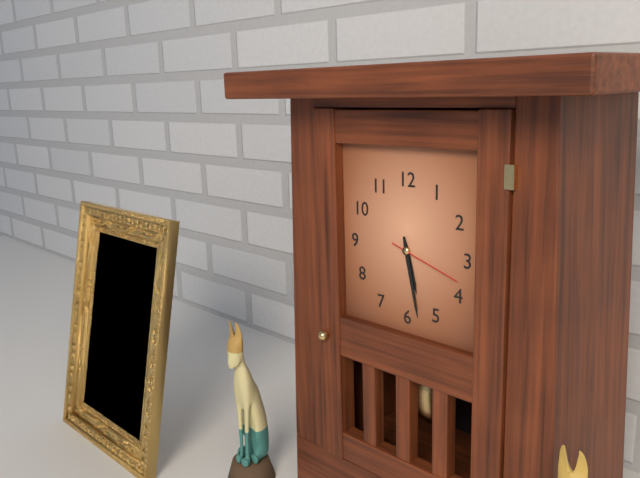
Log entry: 5:28:18
